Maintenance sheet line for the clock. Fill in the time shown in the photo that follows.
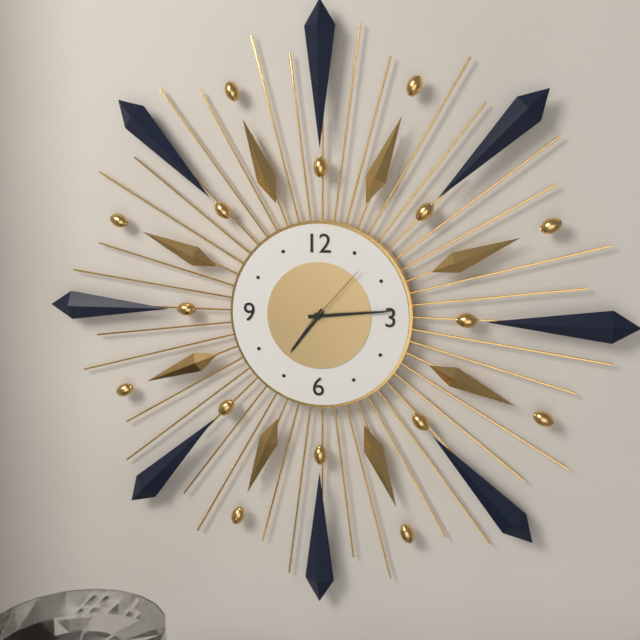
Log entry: 7:14:07
